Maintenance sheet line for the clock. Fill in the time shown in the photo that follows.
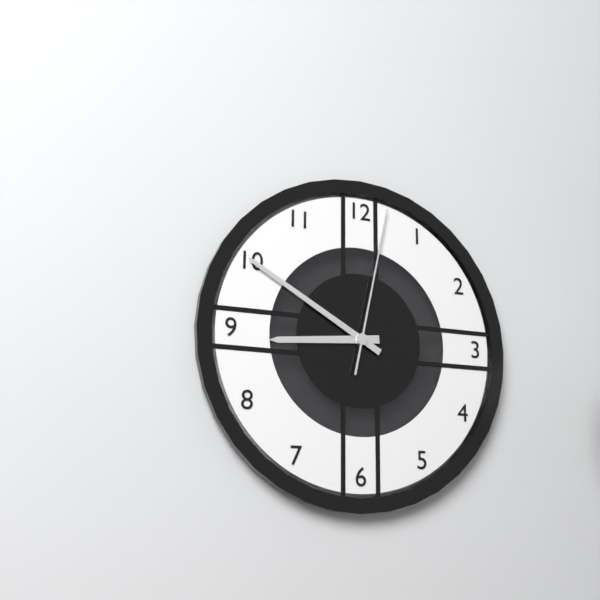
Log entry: 8:50:02
